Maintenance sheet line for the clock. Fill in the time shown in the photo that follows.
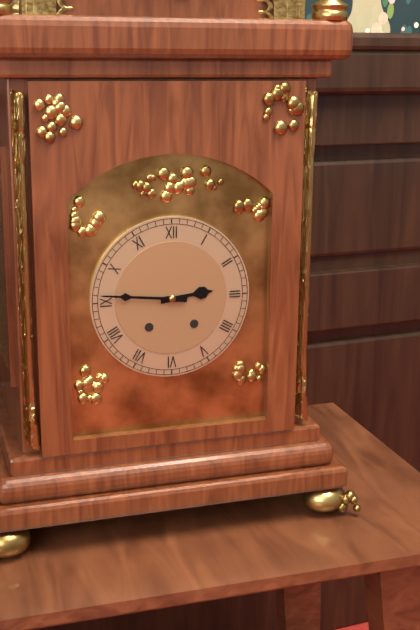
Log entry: 2:46
